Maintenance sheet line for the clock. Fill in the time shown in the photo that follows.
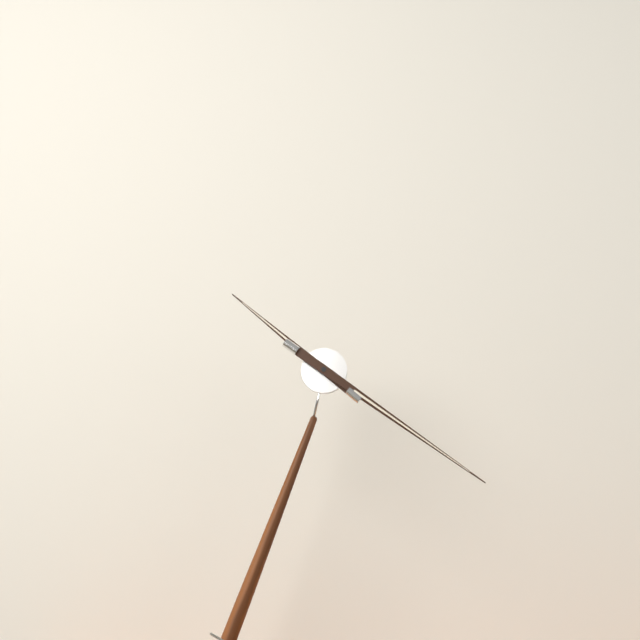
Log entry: 10:21
